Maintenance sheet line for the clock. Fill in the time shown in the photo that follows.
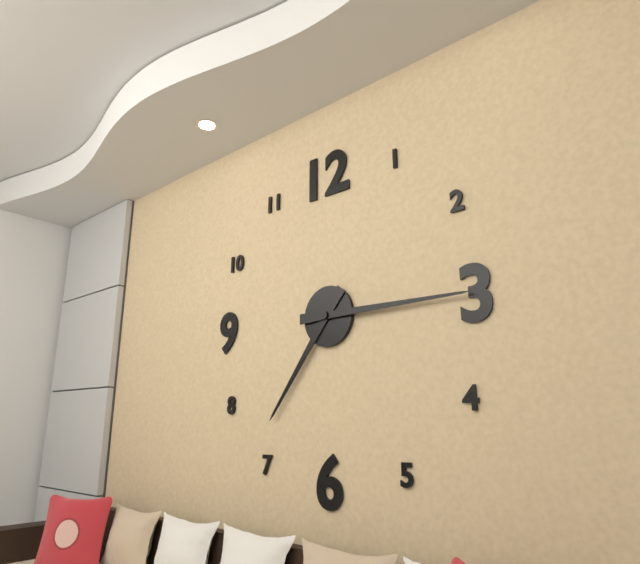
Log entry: 7:15
